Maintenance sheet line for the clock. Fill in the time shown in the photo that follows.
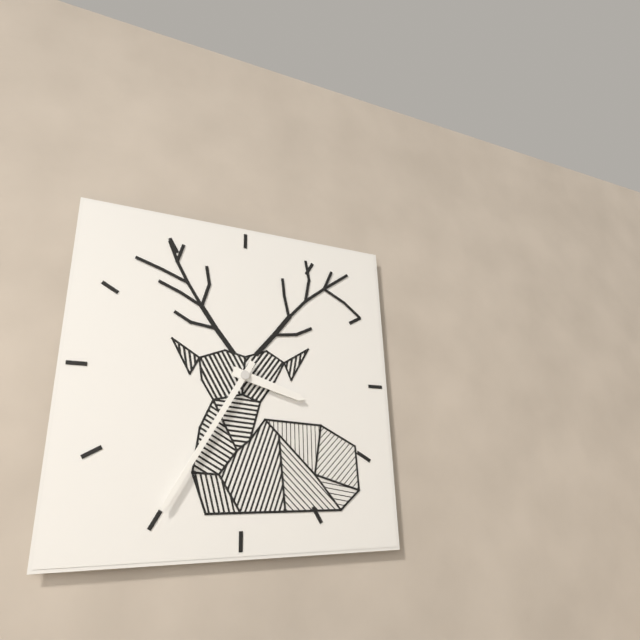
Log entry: 3:35
